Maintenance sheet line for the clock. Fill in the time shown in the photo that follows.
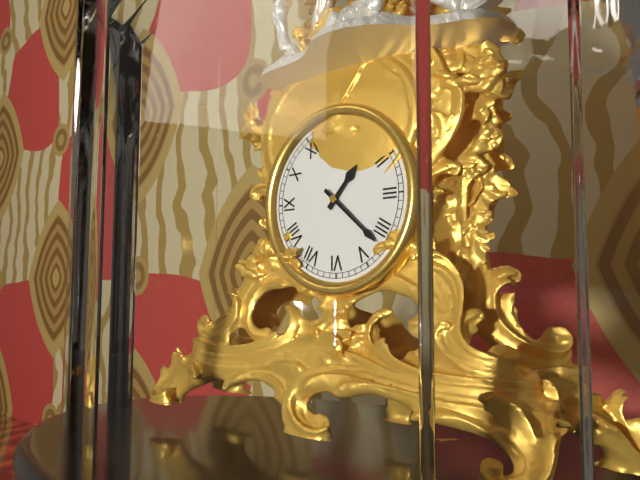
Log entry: 1:22
